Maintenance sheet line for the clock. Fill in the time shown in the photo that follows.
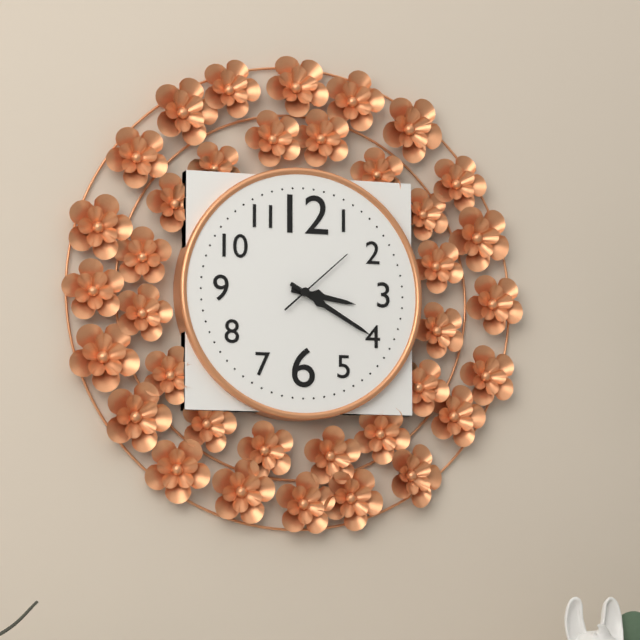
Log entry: 3:20:08
